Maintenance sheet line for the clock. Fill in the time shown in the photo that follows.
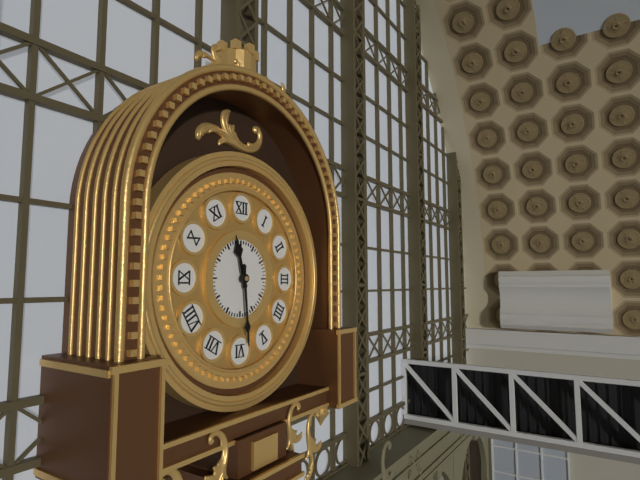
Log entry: 11:29
